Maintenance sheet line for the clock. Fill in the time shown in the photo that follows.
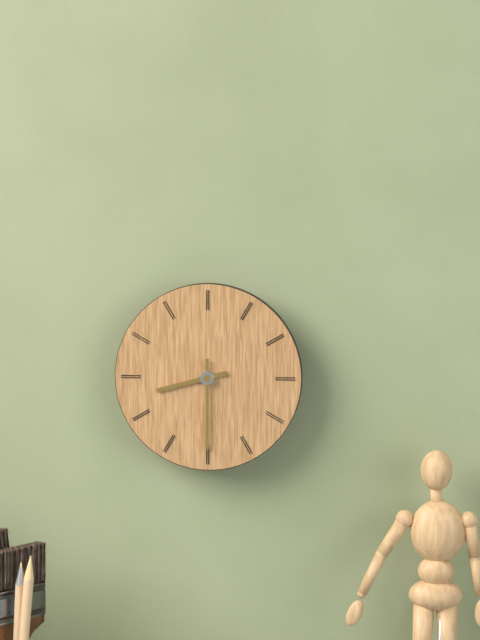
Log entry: 8:30
